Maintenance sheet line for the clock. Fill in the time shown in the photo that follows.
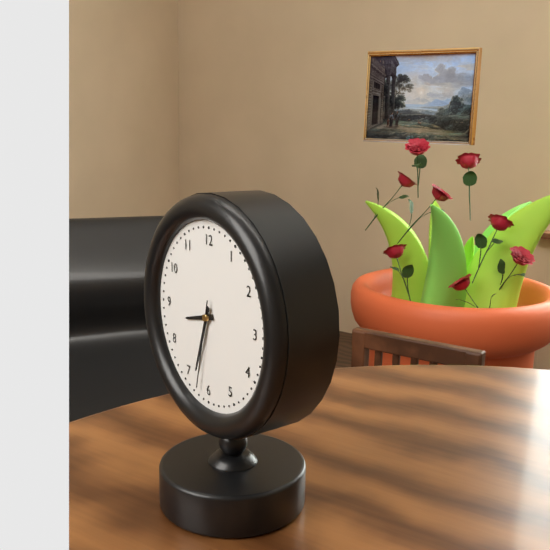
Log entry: 8:33:32
